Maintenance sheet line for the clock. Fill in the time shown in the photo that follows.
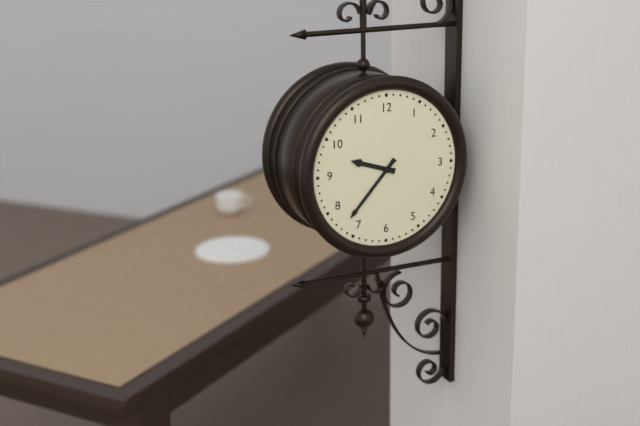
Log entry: 9:37
